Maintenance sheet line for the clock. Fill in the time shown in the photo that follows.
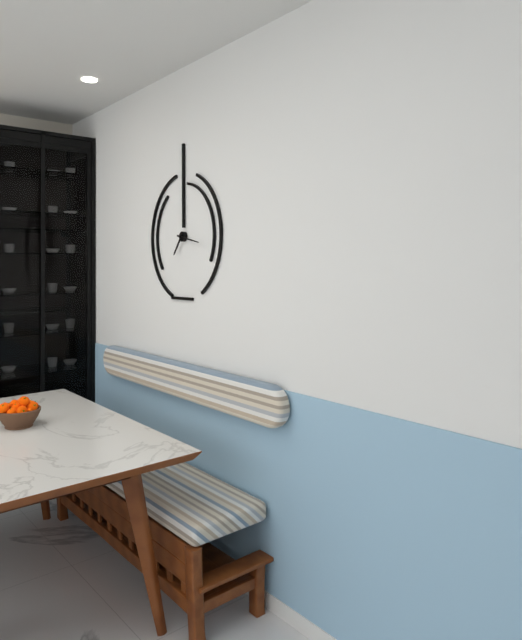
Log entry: 7:17
